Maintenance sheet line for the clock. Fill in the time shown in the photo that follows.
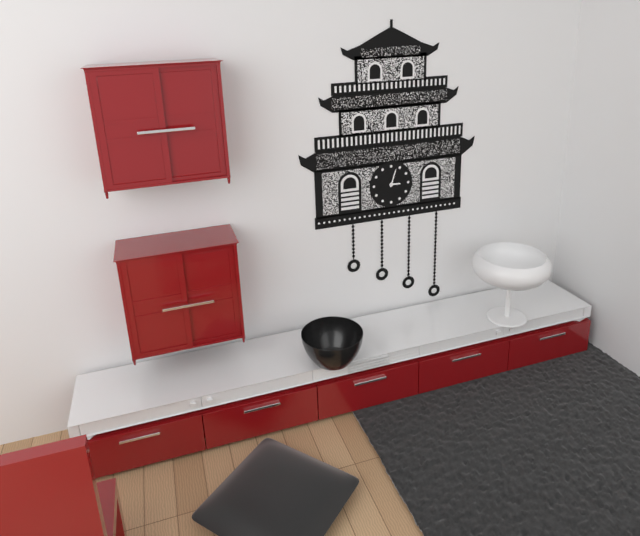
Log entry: 3:03
